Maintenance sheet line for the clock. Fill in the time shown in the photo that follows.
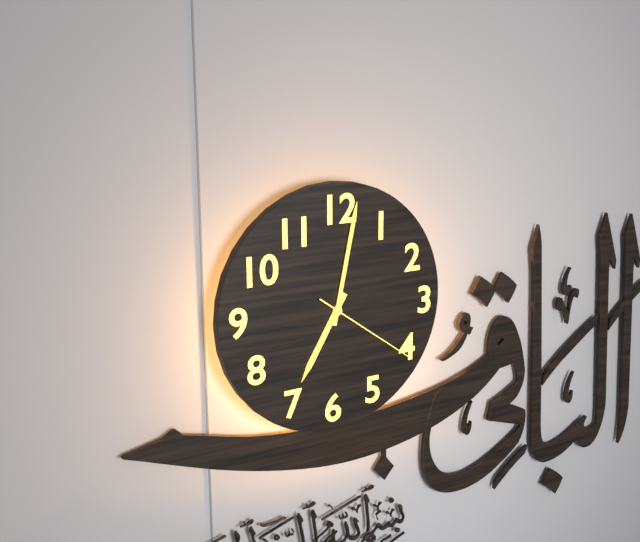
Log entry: 7:02:21
